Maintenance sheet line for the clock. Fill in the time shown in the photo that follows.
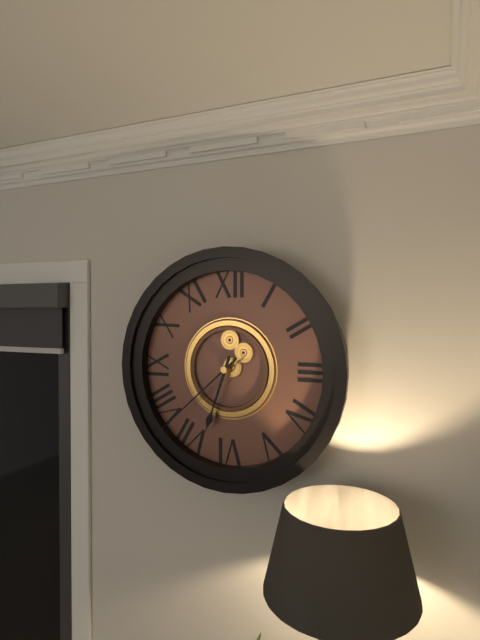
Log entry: 6:38
